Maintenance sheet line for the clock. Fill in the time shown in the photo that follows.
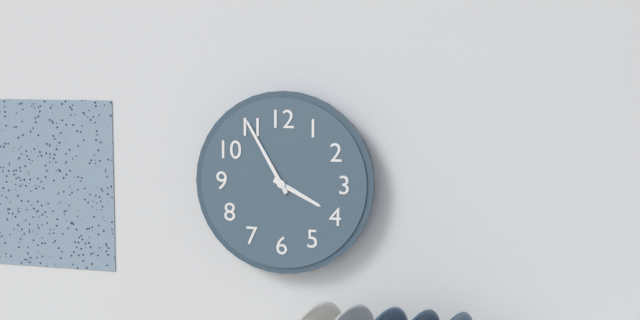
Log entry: 3:55
